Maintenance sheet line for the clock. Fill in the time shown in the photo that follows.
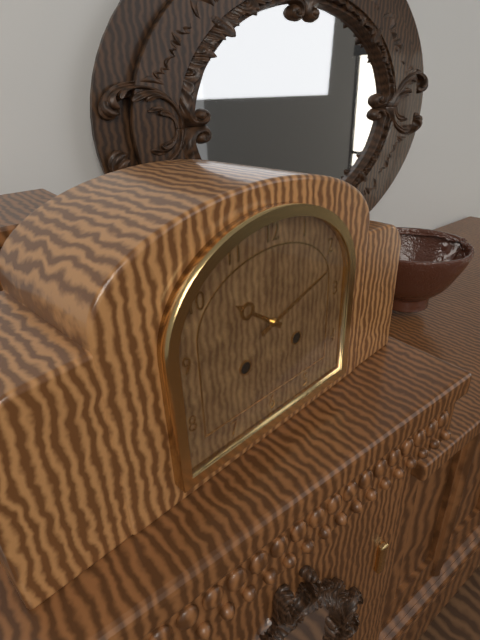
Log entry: 10:12
